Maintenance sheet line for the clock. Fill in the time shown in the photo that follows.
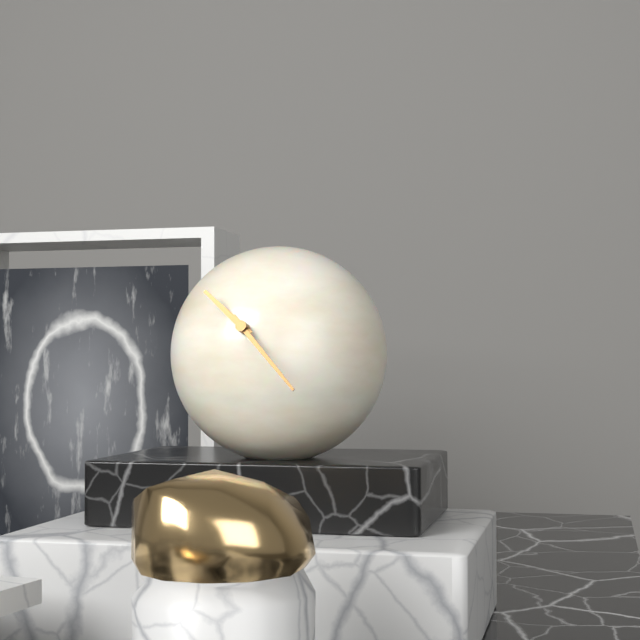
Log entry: 10:23
